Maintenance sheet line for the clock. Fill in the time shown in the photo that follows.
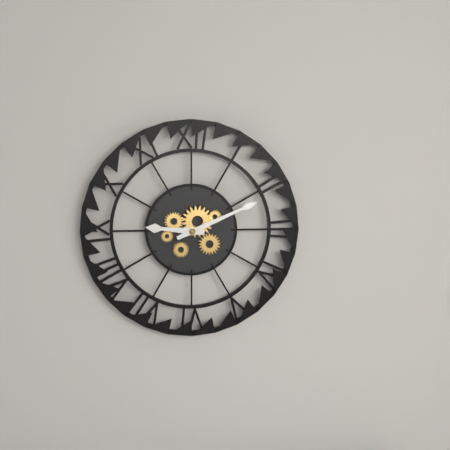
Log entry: 9:11
